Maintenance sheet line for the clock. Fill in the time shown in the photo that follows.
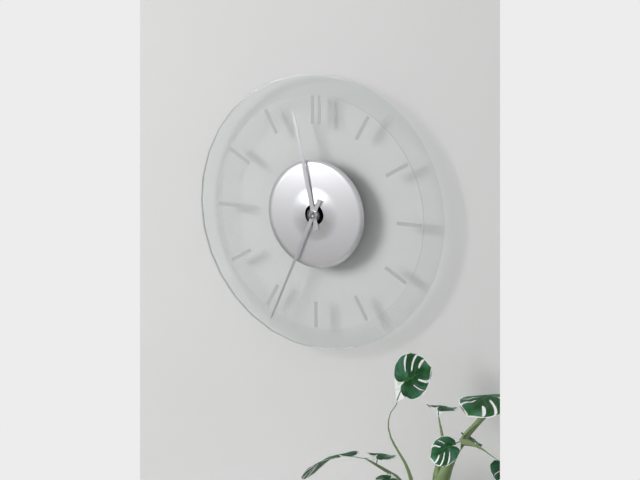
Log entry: 11:34
